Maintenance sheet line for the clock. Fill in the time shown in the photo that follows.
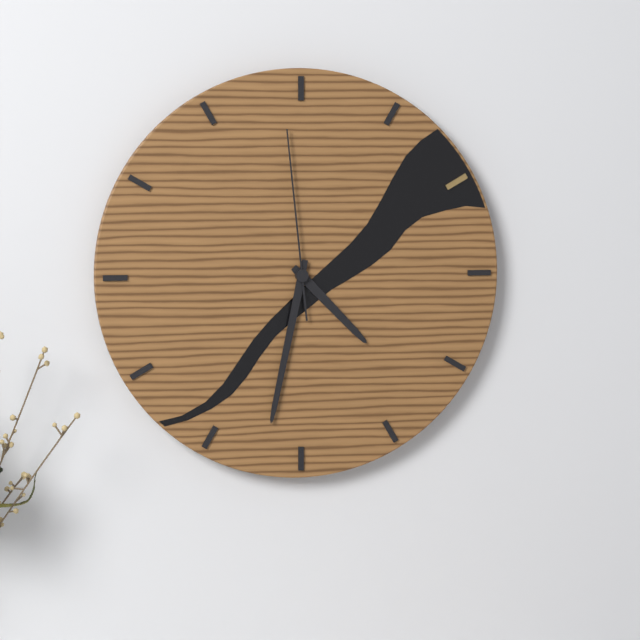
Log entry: 4:32:59
